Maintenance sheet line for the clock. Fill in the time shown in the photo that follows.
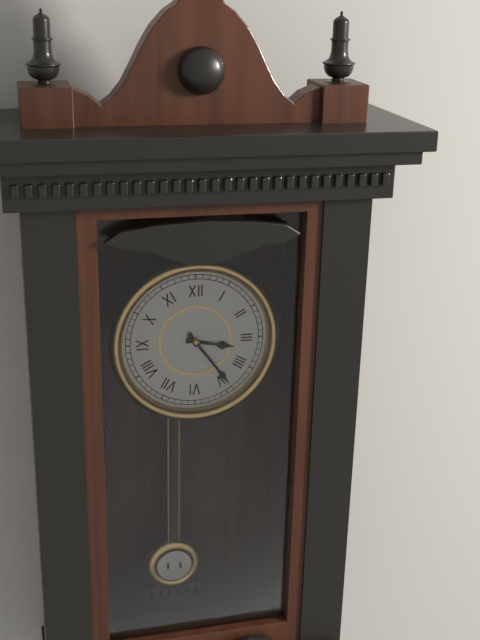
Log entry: 3:24
